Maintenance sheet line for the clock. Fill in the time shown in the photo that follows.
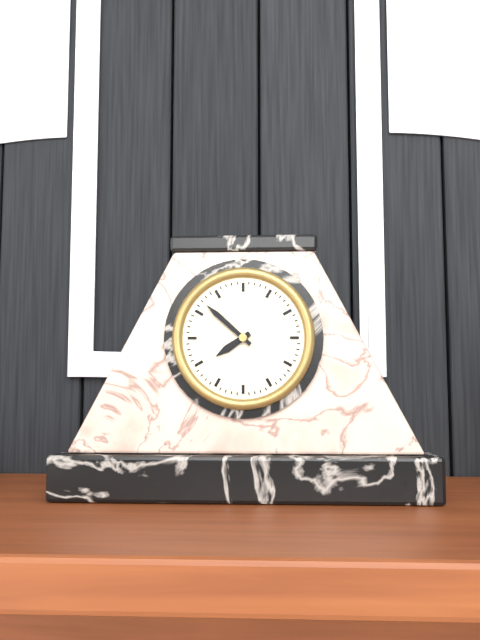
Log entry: 7:52
